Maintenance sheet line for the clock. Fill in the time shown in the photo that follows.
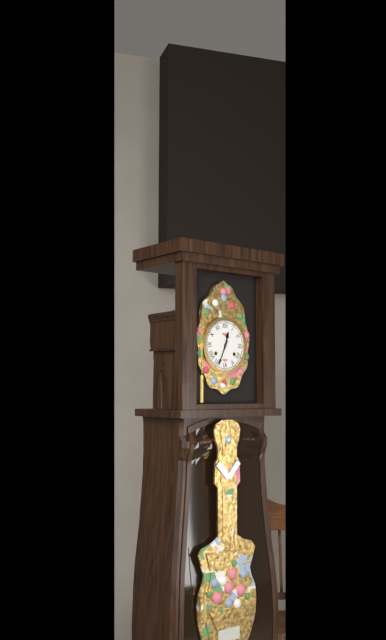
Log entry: 12:34
